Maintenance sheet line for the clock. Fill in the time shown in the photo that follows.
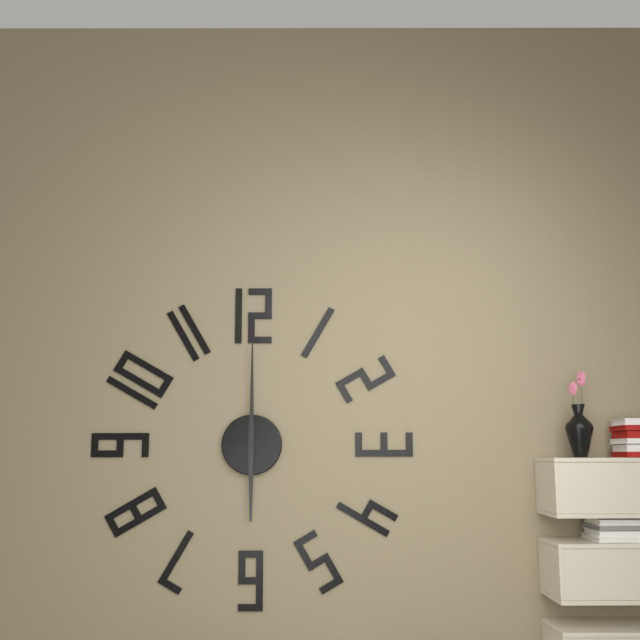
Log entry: 6:00
